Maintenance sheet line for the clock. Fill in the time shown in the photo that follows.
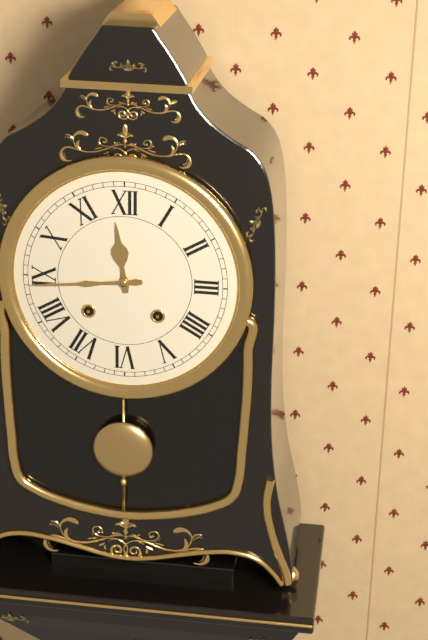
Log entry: 11:44
